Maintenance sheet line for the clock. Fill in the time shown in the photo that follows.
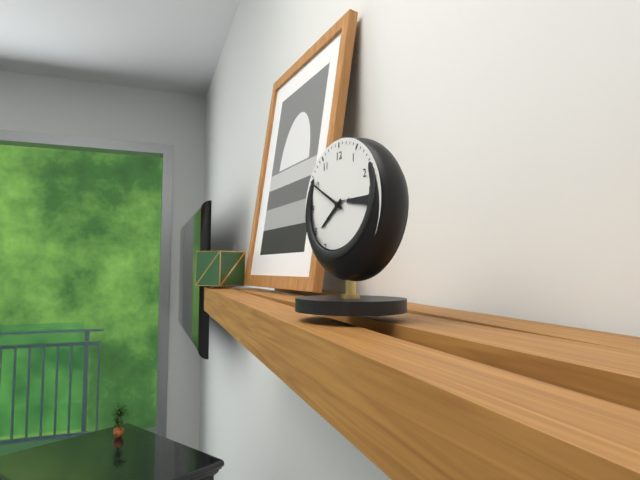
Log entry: 7:50
